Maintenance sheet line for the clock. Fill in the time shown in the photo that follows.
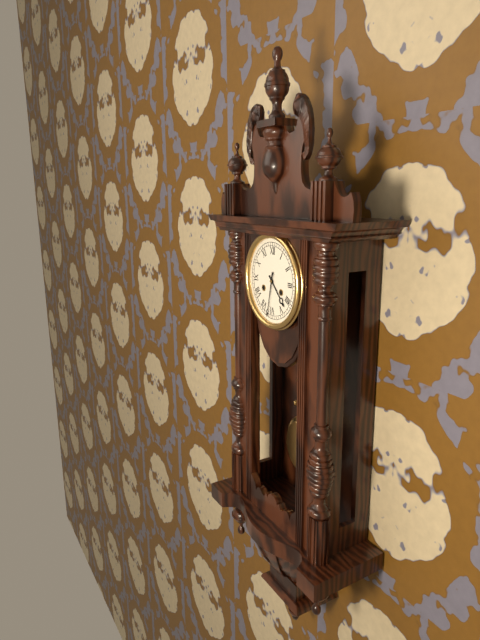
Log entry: 4:32
